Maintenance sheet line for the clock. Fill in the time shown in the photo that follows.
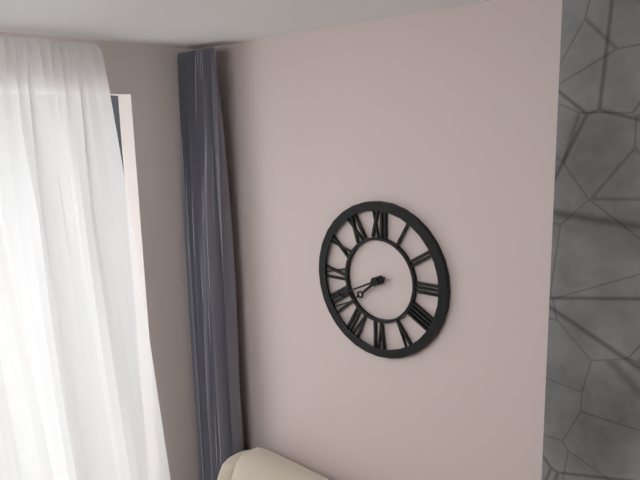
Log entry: 7:41
